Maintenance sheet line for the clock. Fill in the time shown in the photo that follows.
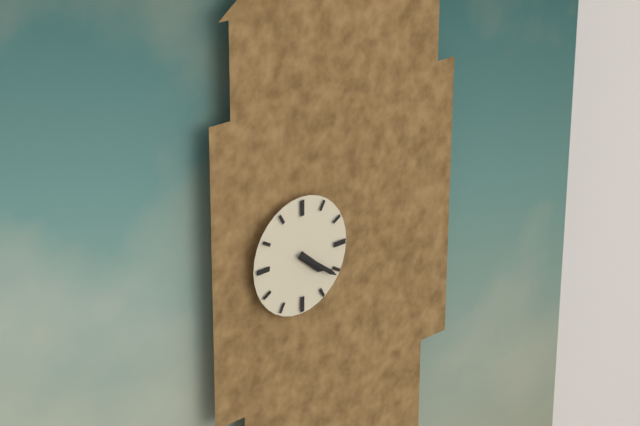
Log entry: 4:21
